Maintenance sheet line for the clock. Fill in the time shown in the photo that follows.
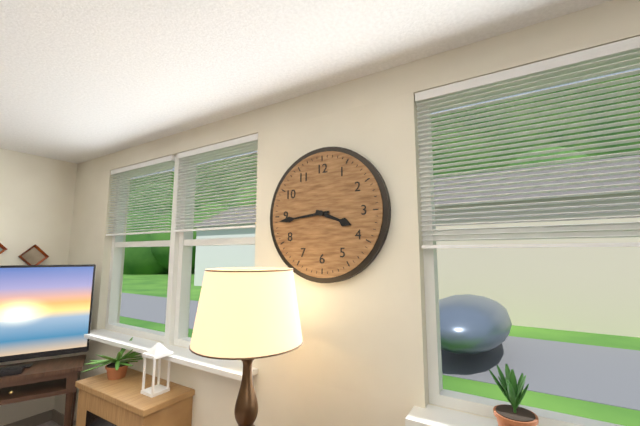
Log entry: 3:44
